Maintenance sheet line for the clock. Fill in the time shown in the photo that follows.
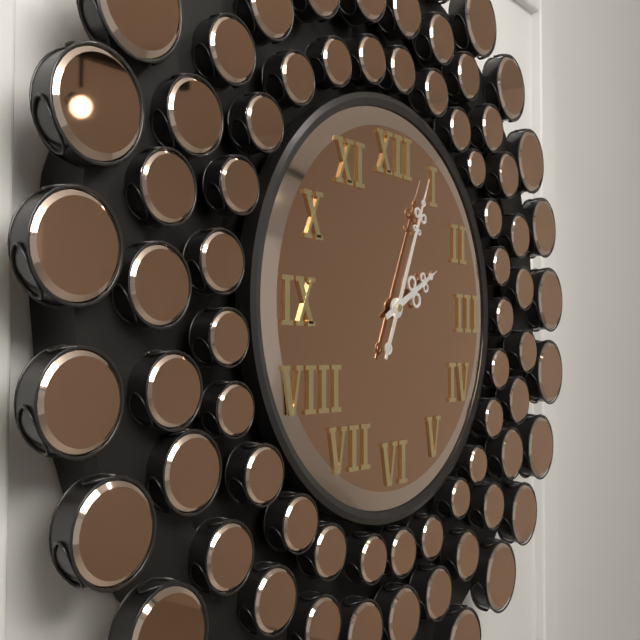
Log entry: 2:04
